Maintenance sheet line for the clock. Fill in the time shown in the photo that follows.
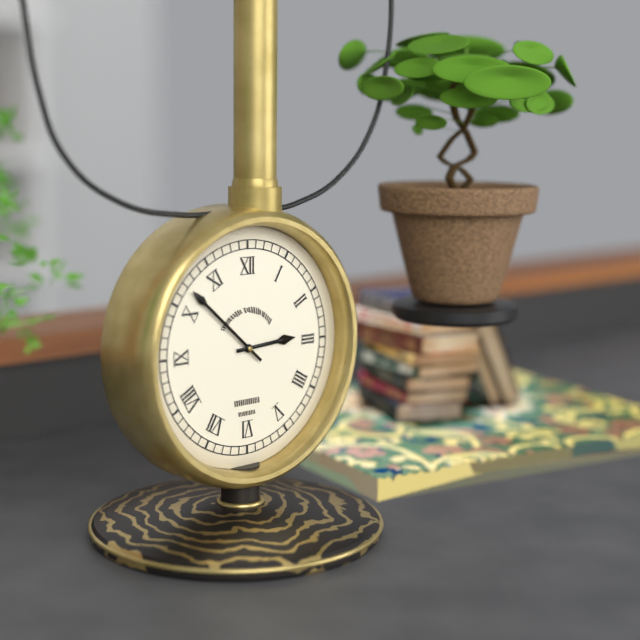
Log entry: 2:52
